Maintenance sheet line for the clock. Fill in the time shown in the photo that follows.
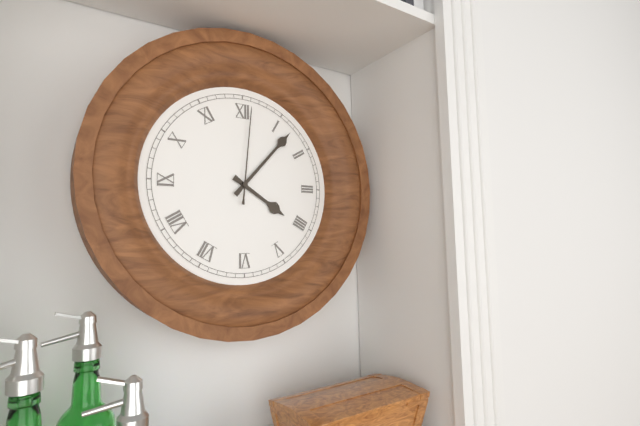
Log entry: 4:07:01
